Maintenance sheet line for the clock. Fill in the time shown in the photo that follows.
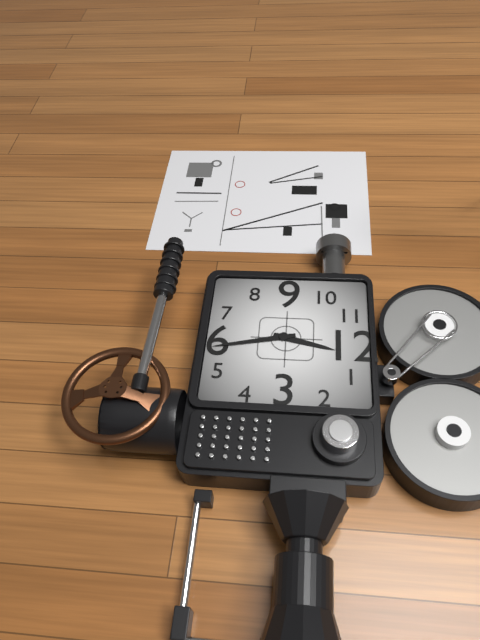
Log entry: 12:28
